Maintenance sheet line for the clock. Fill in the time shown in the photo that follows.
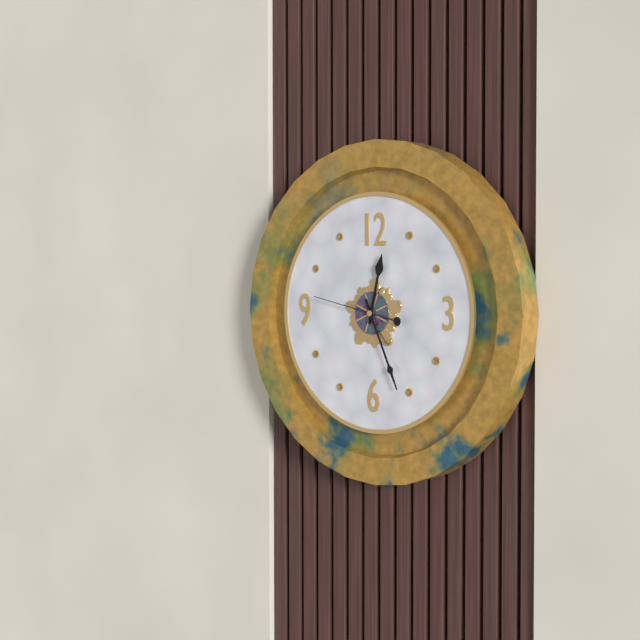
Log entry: 12:26:47
